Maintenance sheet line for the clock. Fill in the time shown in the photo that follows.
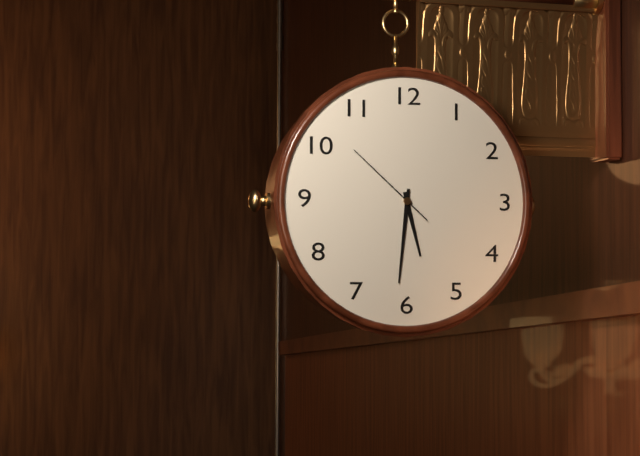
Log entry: 5:31:52
